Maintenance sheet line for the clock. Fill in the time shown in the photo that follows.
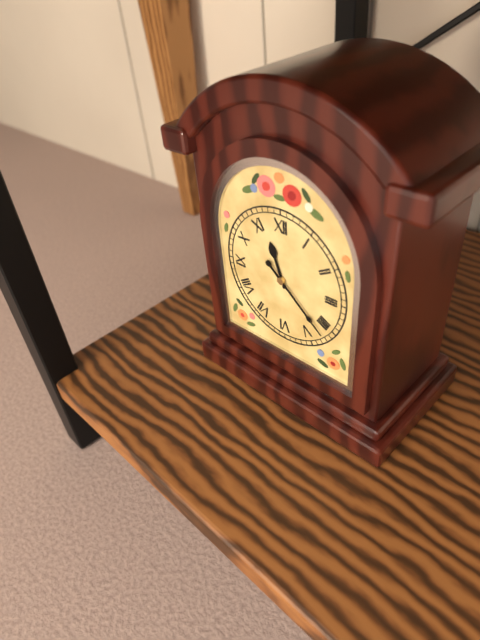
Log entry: 11:22
